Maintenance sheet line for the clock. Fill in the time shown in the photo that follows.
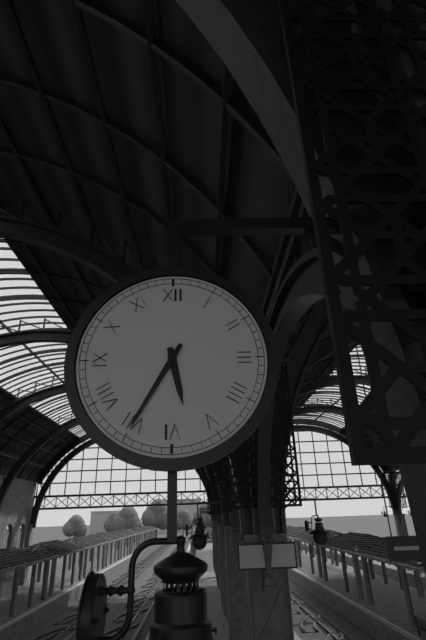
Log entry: 5:35
